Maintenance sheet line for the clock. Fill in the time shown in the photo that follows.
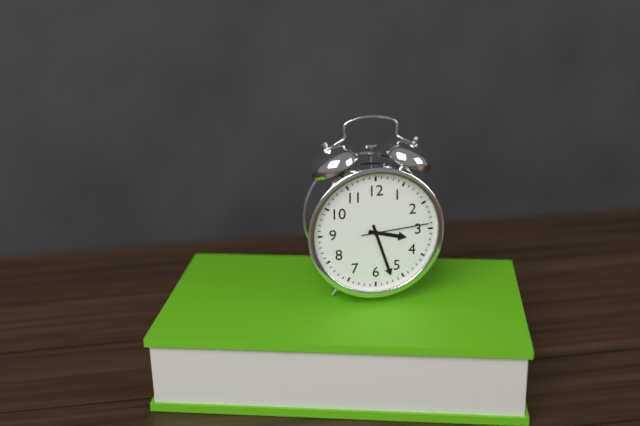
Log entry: 3:27:14
